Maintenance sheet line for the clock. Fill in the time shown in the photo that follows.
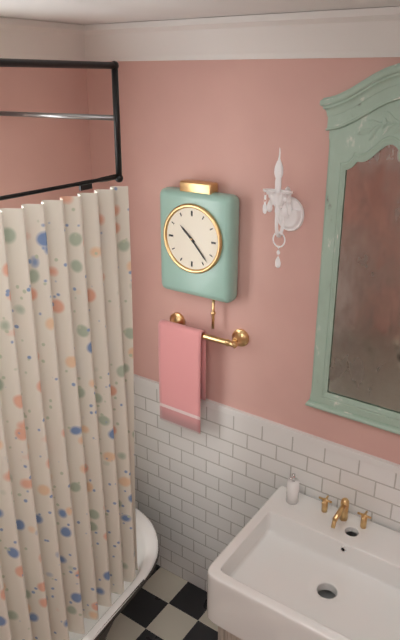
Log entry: 10:23
